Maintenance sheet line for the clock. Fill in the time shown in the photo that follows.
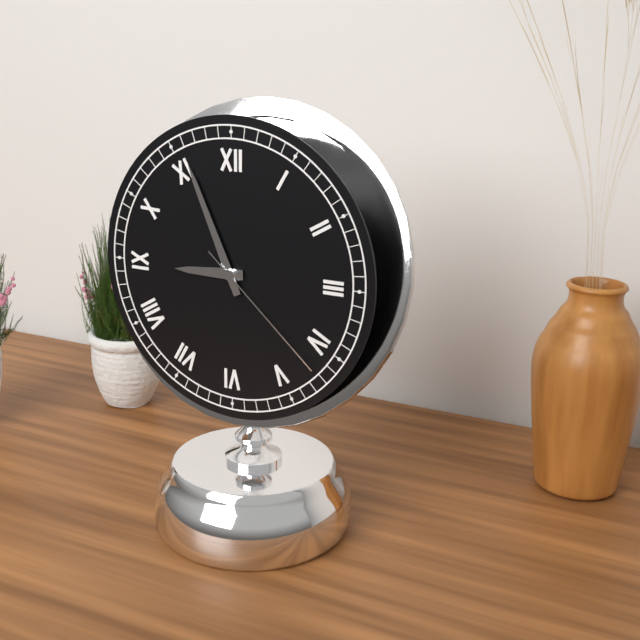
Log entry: 8:56:22
